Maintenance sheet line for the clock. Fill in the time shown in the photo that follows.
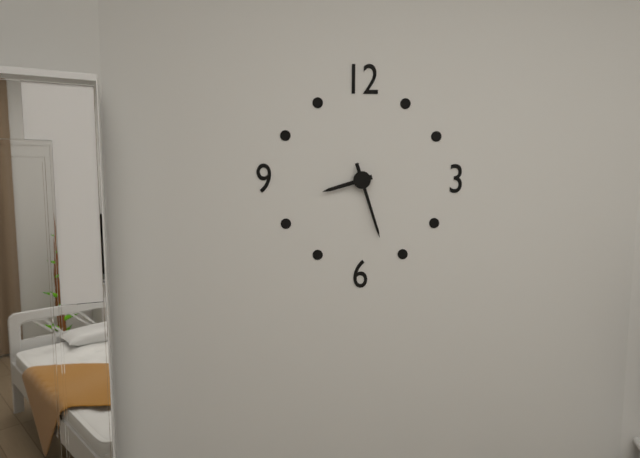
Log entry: 8:27
